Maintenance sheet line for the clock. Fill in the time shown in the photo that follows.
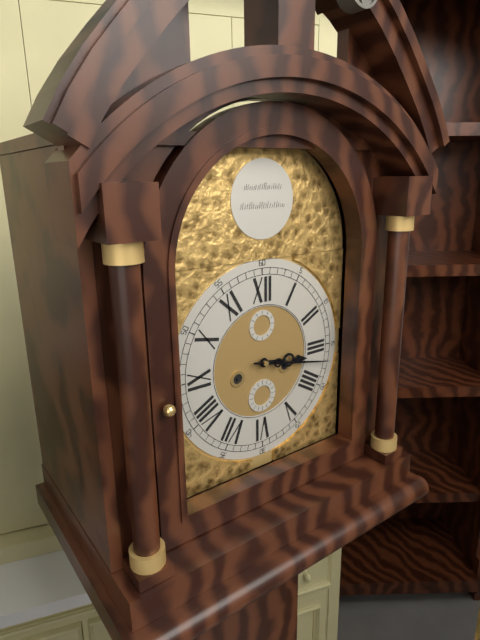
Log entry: 3:17
